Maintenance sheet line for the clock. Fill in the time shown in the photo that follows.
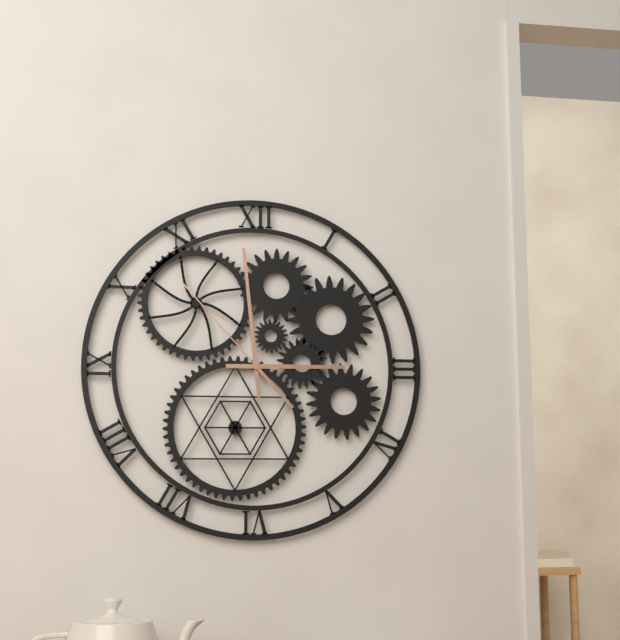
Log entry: 2:59:53
